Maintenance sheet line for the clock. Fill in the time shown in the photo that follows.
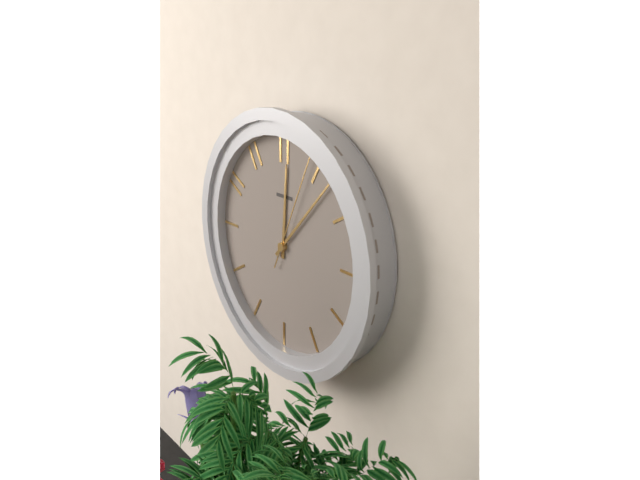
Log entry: 12:07:04
